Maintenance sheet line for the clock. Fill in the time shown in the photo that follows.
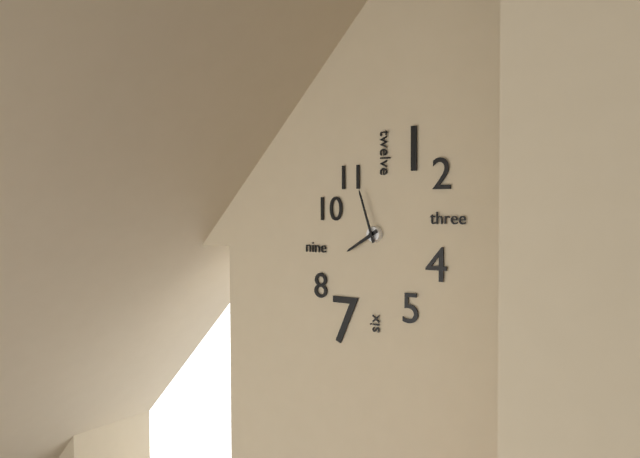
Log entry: 7:57
